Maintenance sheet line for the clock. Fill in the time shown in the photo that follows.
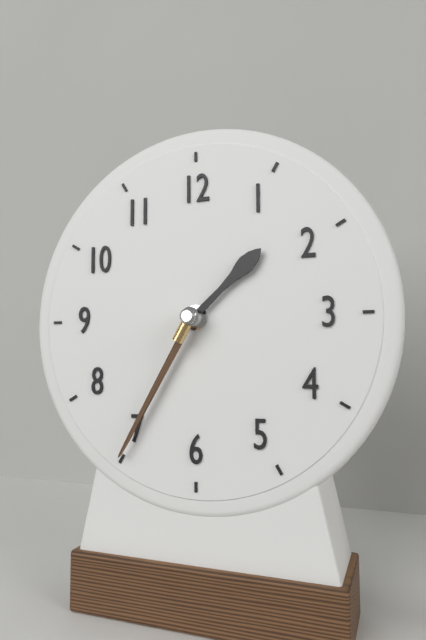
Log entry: 1:35
